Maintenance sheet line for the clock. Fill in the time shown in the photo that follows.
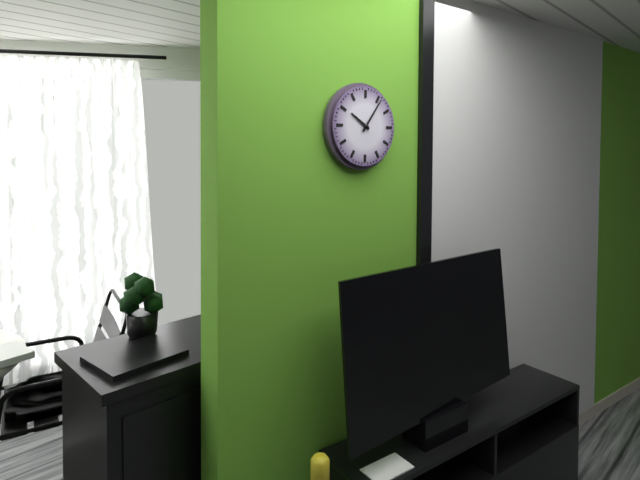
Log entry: 10:06
